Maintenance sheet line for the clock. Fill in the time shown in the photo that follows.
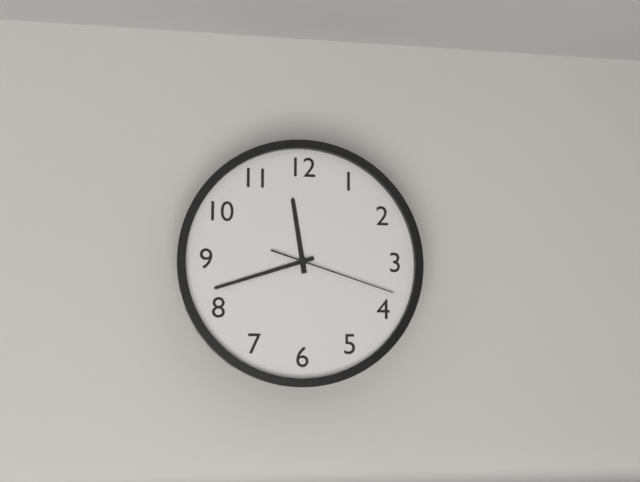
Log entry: 11:42:18
